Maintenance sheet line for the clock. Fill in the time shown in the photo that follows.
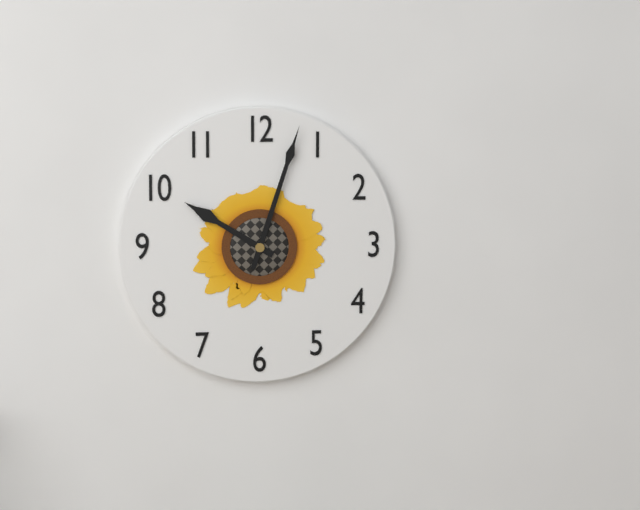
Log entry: 10:03
